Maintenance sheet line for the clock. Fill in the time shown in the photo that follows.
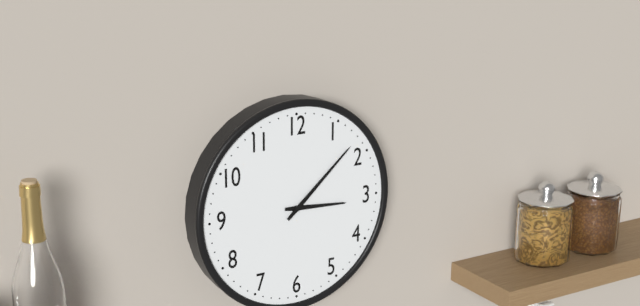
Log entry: 3:08
